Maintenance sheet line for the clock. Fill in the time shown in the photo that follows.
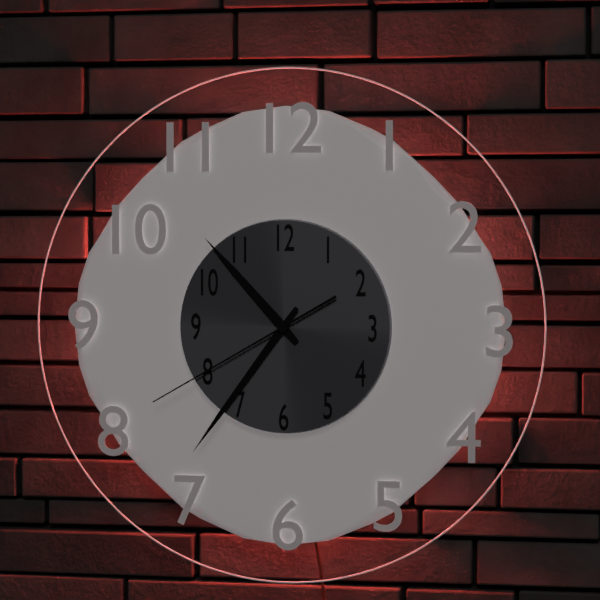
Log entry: 10:36:40
